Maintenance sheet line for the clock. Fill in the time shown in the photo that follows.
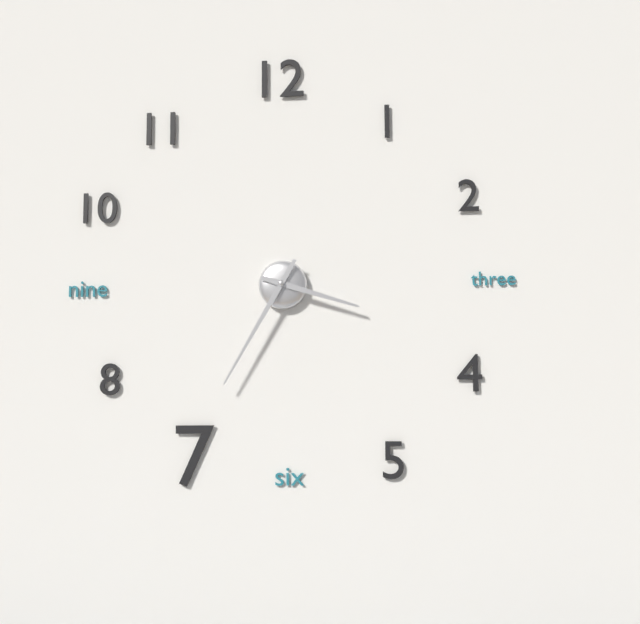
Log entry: 3:35
